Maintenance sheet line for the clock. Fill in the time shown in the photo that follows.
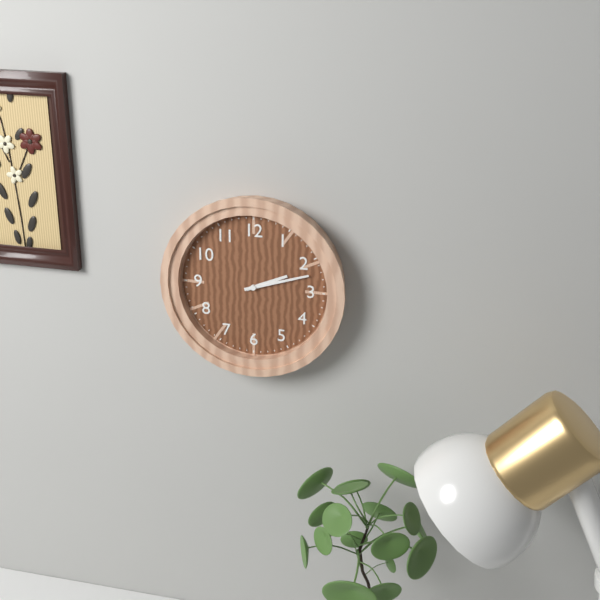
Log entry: 2:12
